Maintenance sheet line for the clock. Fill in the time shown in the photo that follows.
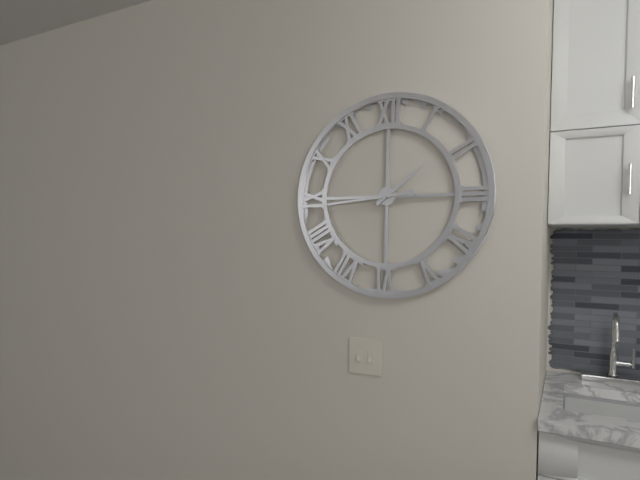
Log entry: 1:44
